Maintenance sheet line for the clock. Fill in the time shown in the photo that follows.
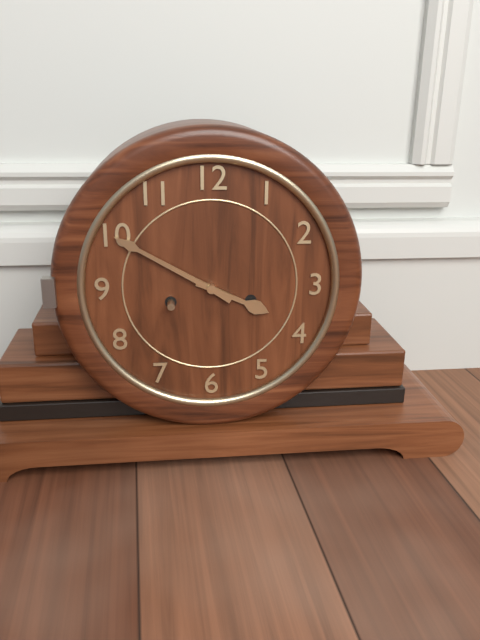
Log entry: 3:50
